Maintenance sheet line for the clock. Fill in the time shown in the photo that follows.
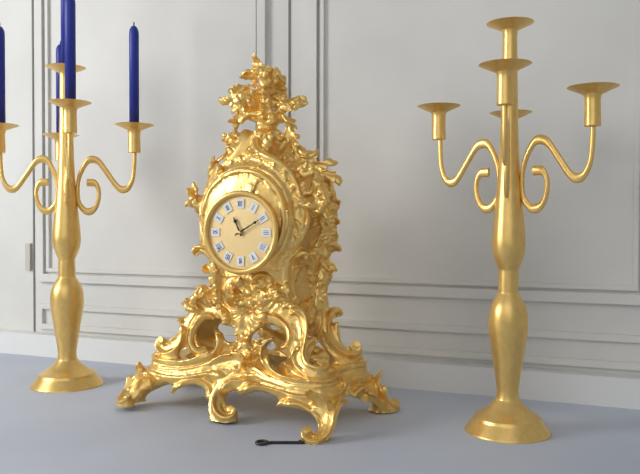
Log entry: 11:10
